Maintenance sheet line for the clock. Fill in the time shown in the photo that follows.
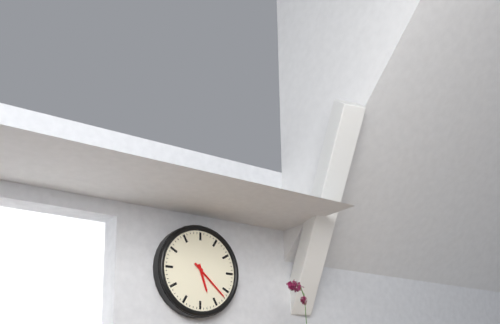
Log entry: 5:22
